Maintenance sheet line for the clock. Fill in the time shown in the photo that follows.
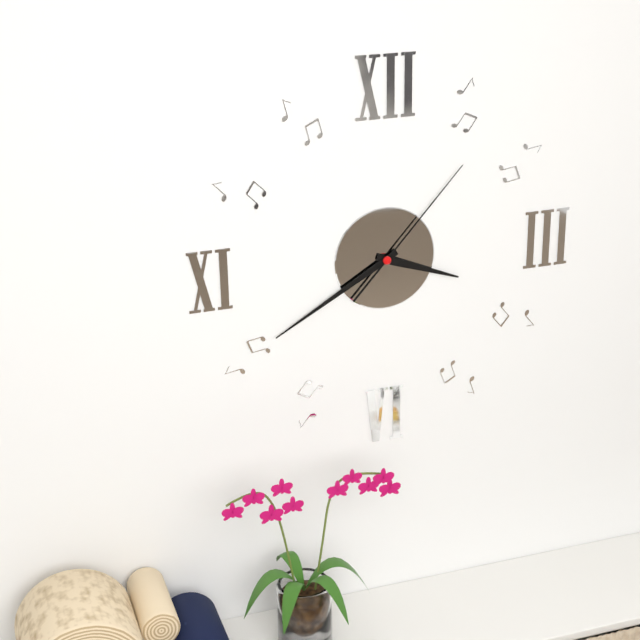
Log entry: 3:40:07
